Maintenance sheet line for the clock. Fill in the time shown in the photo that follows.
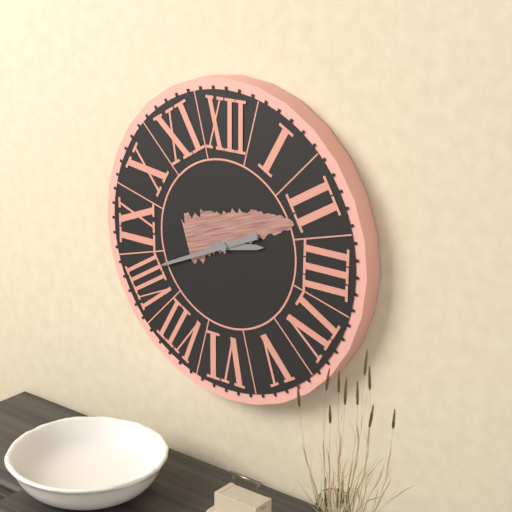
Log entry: 2:41
